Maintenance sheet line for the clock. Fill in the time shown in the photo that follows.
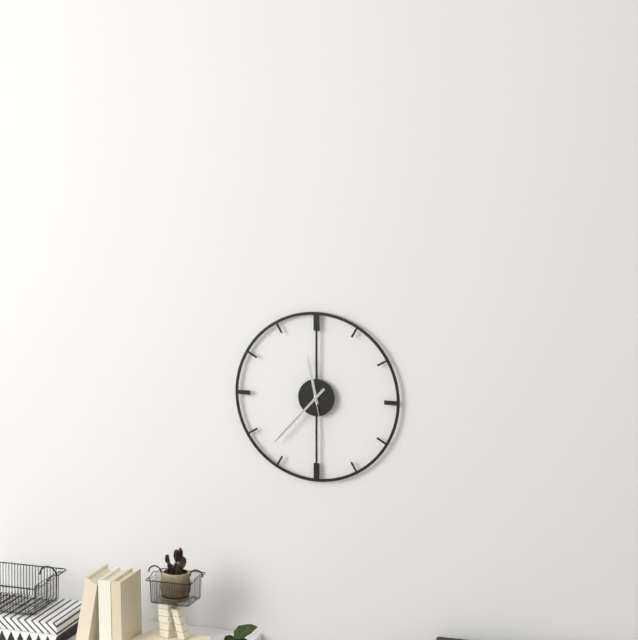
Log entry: 11:37:28
